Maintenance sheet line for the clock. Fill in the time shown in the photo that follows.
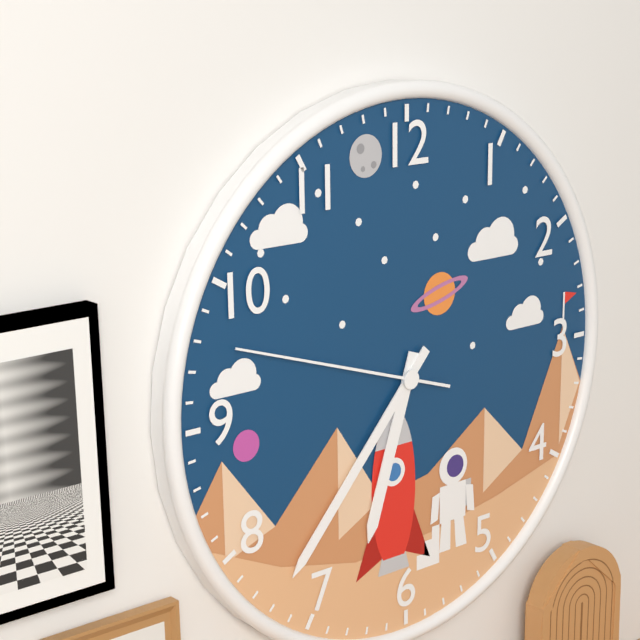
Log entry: 6:37:48
